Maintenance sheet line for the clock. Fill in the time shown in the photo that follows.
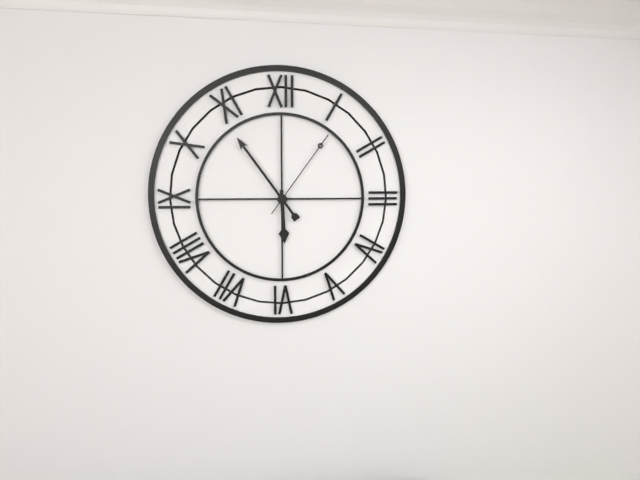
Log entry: 5:54:06
